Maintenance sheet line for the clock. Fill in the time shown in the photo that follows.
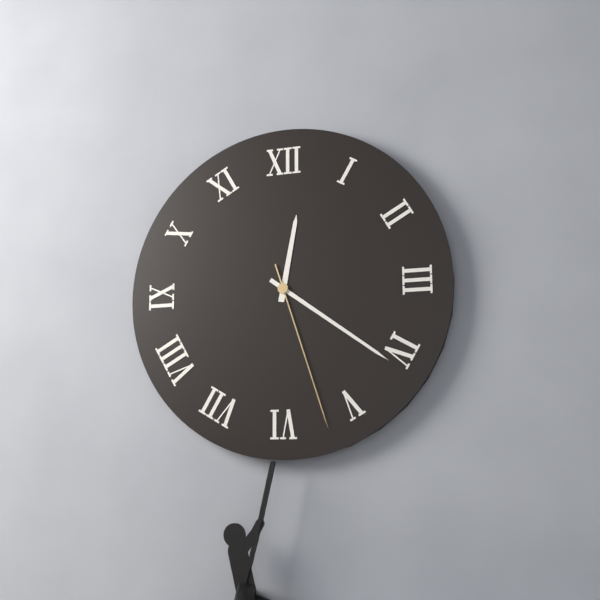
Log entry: 12:21:27
